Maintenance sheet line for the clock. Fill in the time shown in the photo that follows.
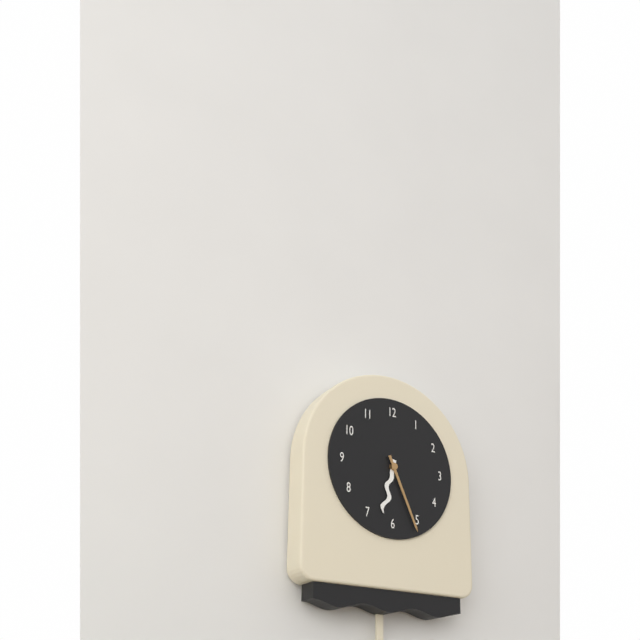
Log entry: 6:26
